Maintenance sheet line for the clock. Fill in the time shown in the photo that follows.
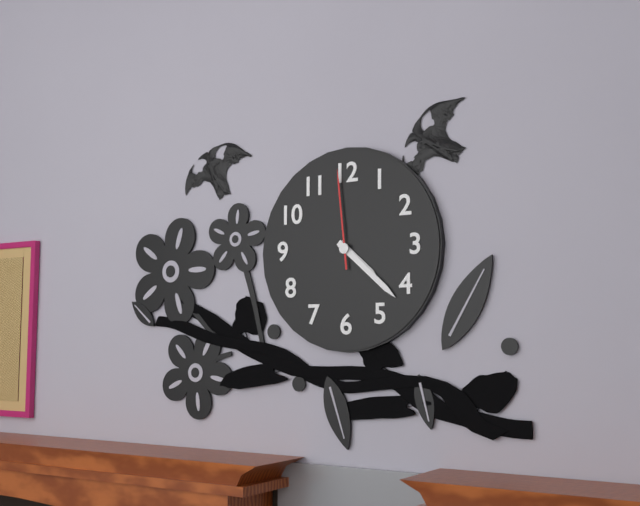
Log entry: 4:22:59
